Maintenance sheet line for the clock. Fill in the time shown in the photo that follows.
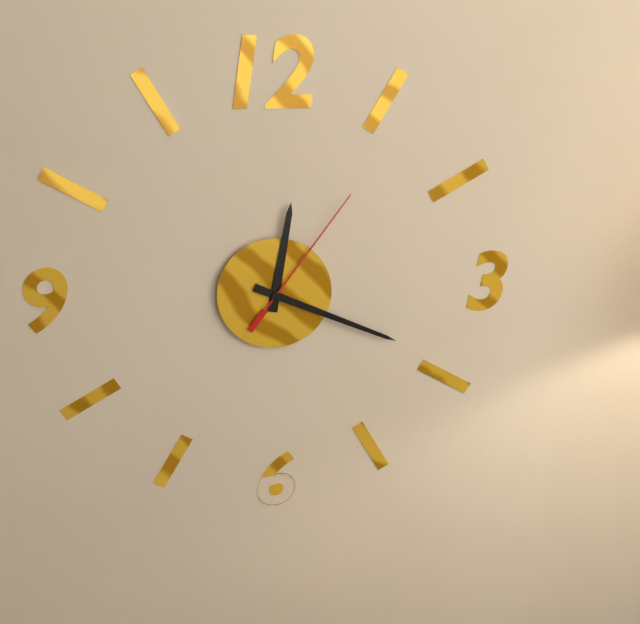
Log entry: 12:19:06
